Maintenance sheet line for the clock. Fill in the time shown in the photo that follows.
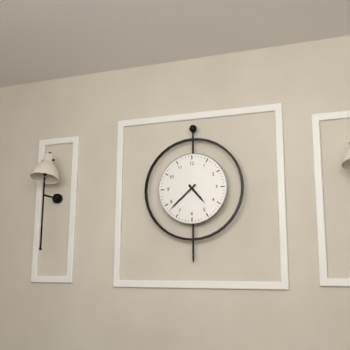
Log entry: 4:38
